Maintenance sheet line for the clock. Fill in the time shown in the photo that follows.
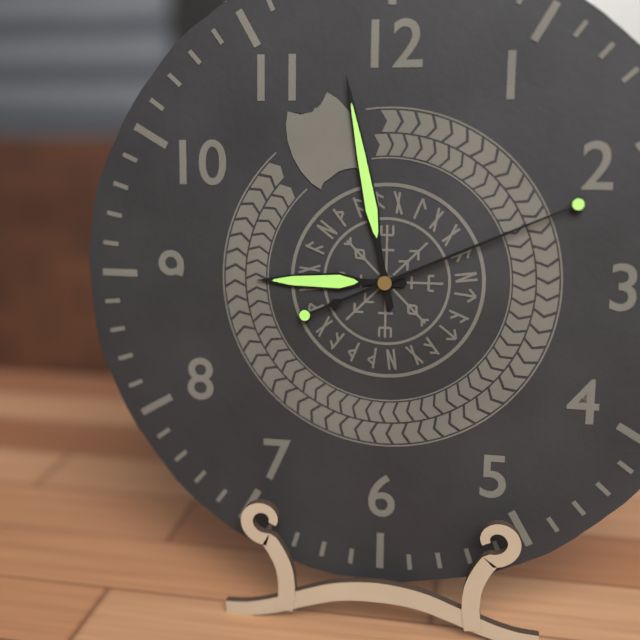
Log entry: 8:58:11
